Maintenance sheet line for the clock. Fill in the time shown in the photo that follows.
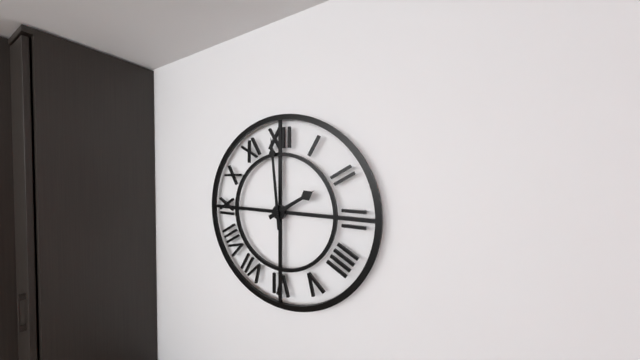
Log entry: 1:59
